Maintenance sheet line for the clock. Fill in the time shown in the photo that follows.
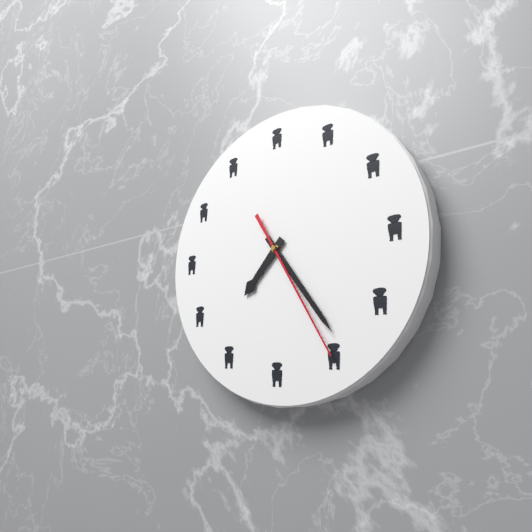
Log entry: 7:24:25
